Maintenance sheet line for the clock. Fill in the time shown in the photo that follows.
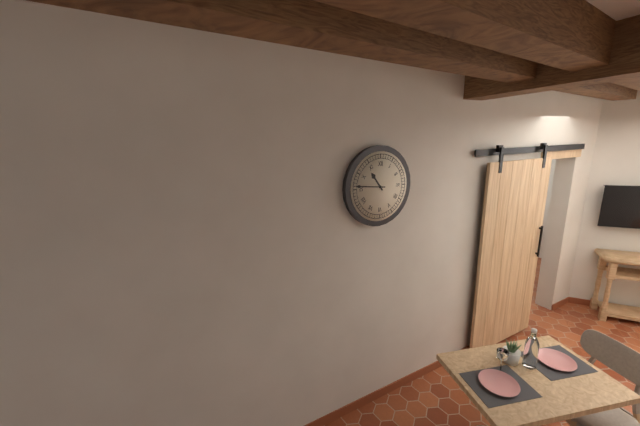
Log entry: 10:46
